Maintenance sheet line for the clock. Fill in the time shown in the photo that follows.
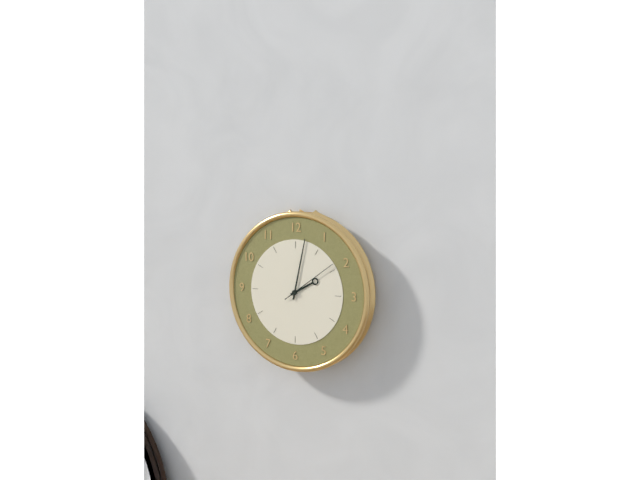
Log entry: 2:02:09
